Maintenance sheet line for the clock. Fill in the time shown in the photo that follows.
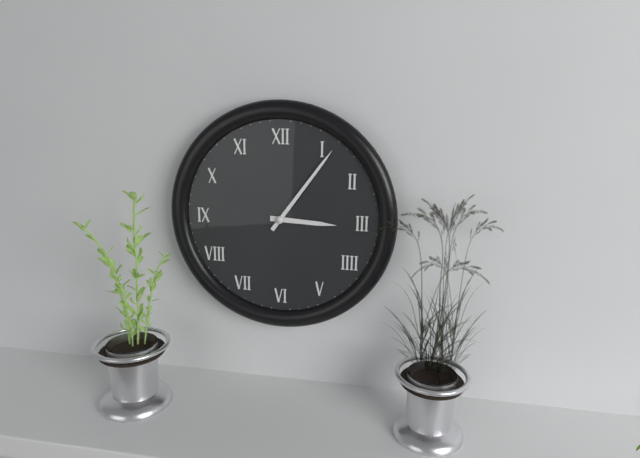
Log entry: 3:06
